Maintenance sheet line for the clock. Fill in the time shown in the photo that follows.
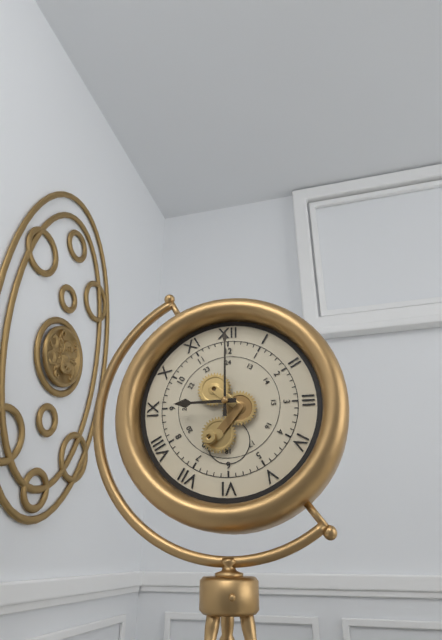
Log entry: 9:00
